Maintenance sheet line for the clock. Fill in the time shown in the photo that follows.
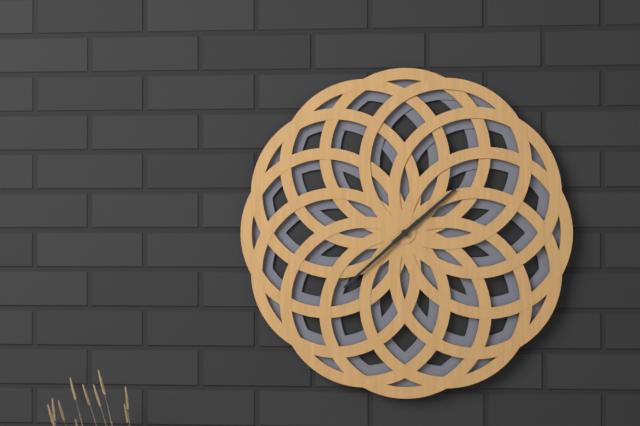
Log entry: 1:38
